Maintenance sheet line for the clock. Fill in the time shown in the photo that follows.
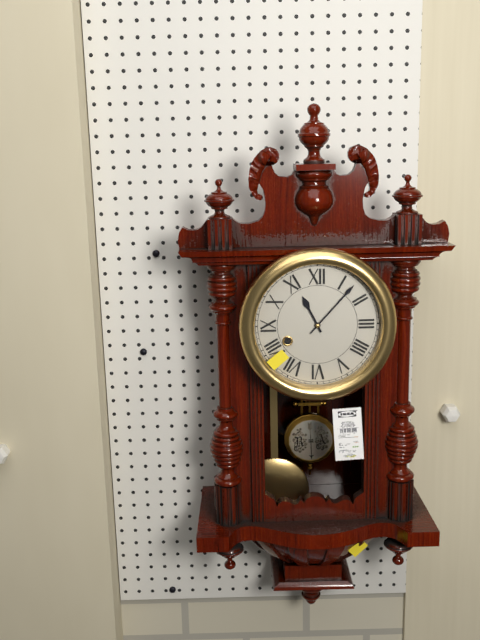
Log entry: 11:07
